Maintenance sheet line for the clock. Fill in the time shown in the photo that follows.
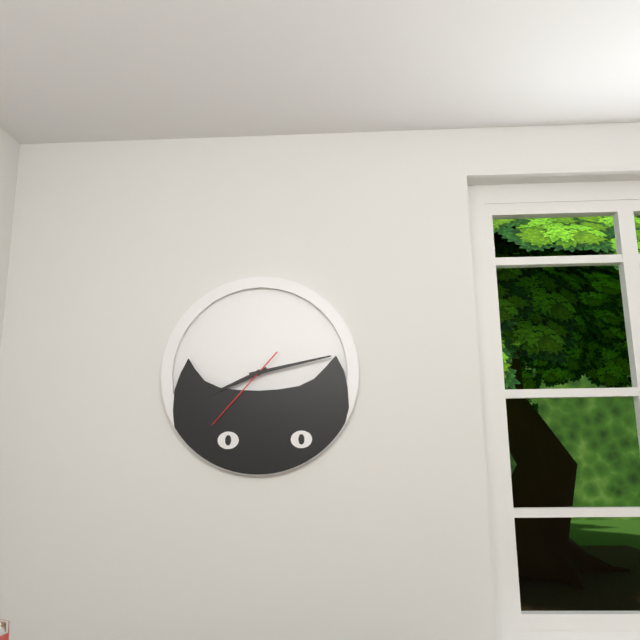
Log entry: 8:13:37
